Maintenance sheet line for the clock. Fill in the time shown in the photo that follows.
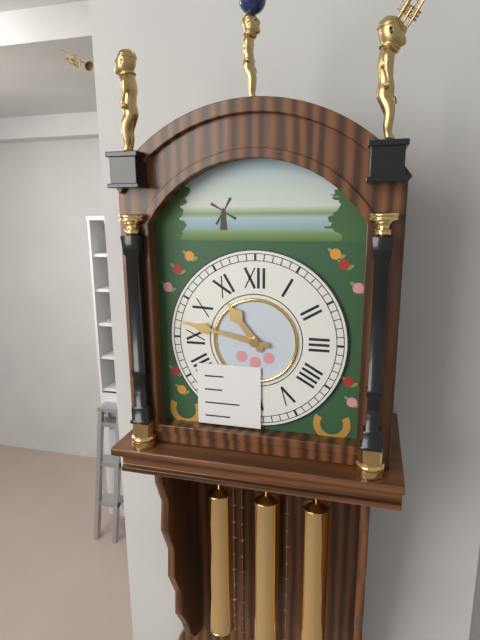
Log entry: 10:47
